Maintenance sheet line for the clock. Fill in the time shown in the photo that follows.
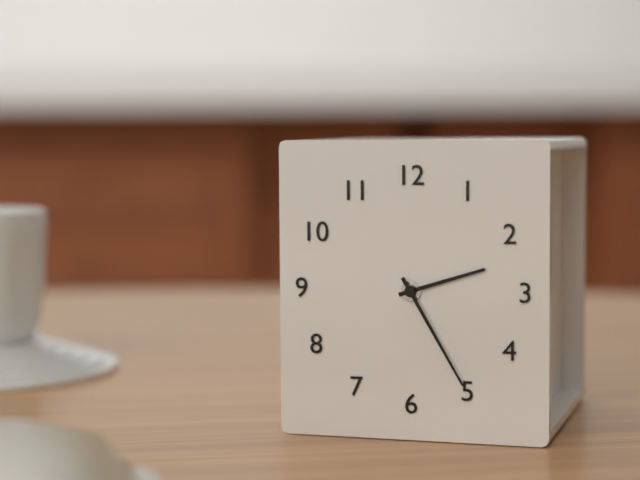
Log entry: 2:25
